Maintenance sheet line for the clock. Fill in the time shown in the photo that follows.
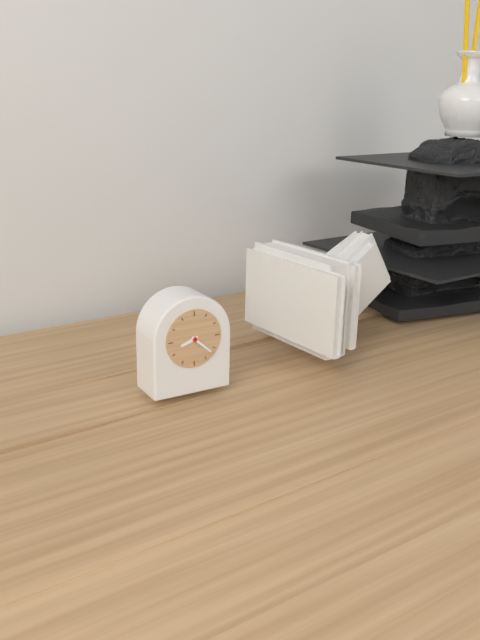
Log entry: 8:22
